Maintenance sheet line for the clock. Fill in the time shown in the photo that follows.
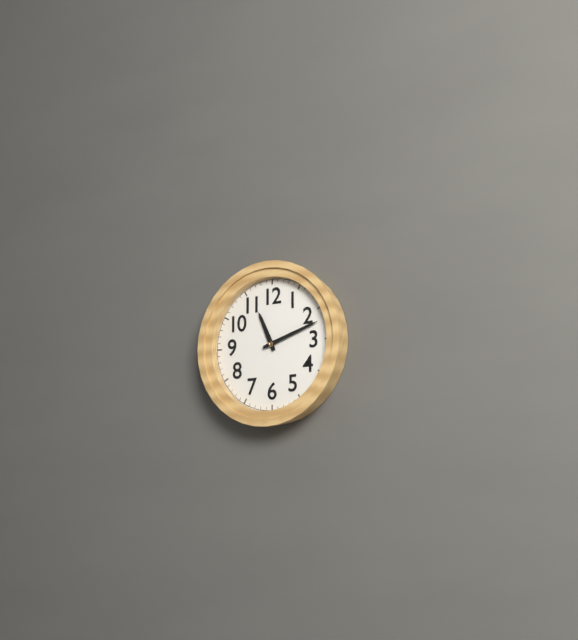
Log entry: 11:12
